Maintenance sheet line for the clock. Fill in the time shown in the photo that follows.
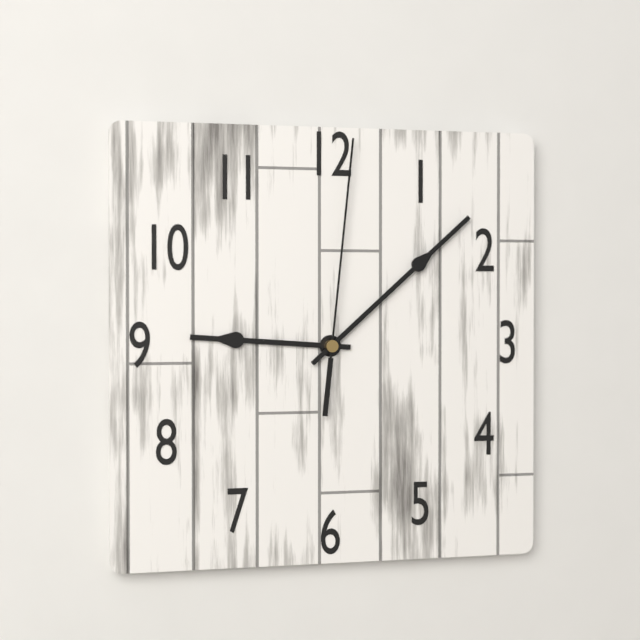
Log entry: 9:08:01
